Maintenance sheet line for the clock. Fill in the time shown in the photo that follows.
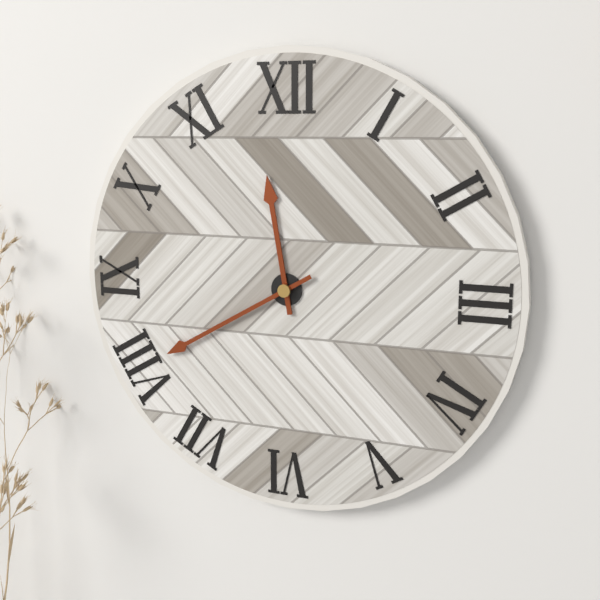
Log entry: 11:40
